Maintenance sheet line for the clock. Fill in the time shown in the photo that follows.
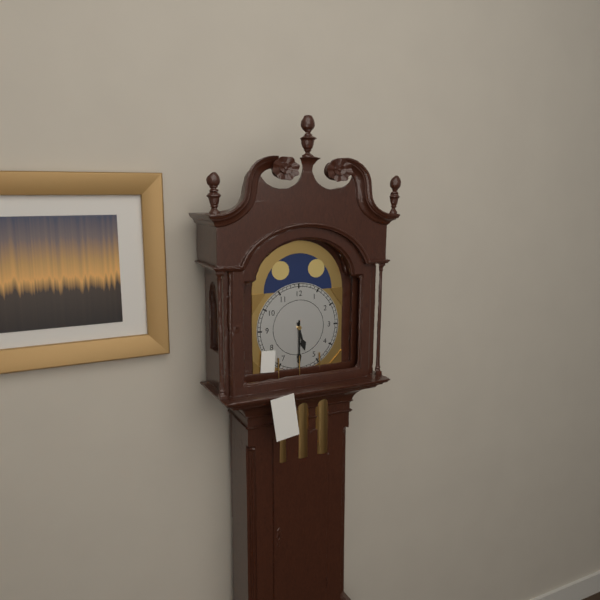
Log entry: 5:30
